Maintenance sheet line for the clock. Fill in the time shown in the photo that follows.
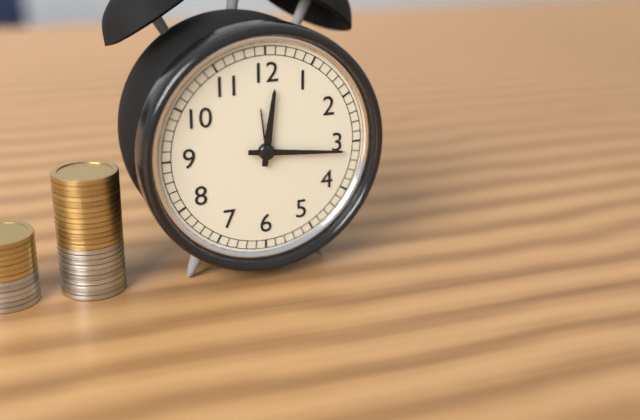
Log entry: 12:16
